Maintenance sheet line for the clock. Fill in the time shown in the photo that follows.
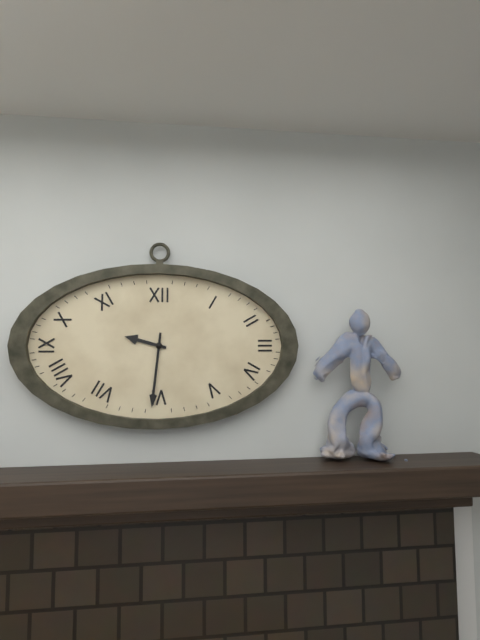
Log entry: 9:31
